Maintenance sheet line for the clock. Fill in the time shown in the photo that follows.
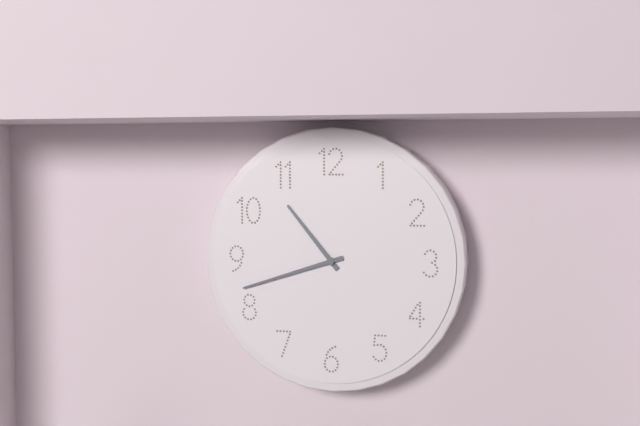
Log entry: 10:42
